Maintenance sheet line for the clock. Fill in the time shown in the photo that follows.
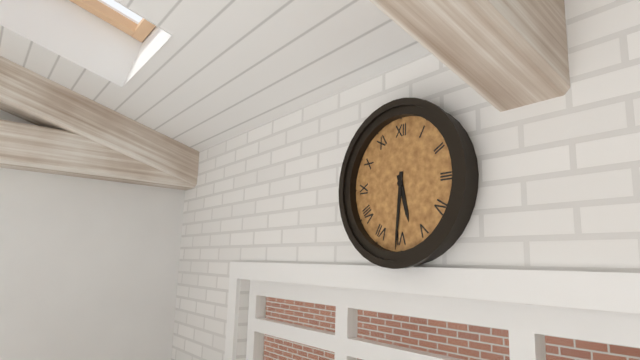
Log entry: 5:31
